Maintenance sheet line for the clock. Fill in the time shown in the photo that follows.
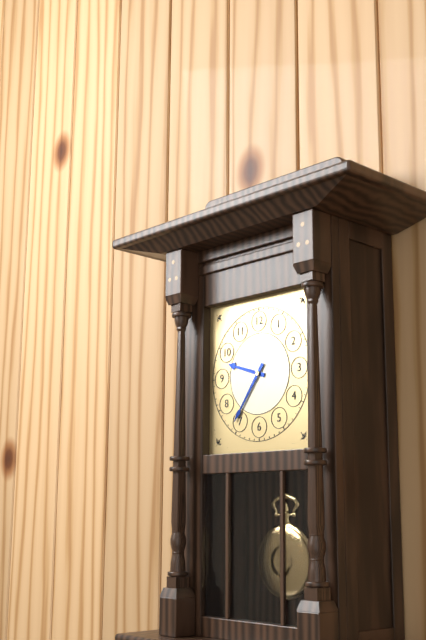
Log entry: 9:36
